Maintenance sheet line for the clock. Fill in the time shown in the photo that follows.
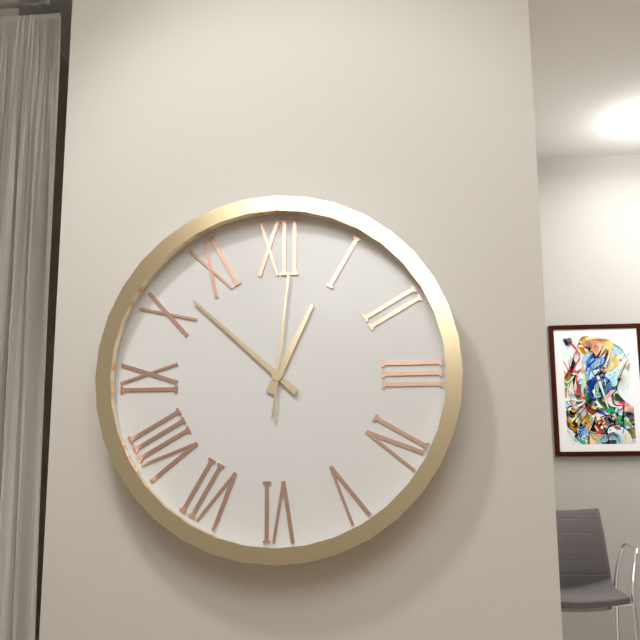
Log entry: 12:52:01
